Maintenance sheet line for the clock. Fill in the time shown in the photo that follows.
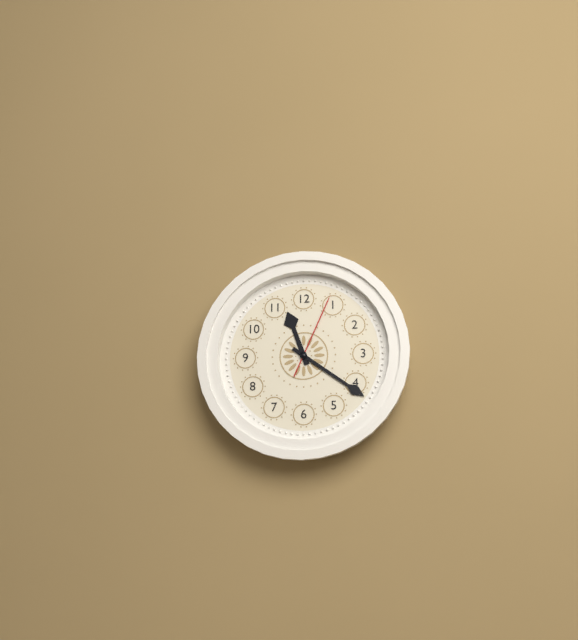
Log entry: 11:21:04
